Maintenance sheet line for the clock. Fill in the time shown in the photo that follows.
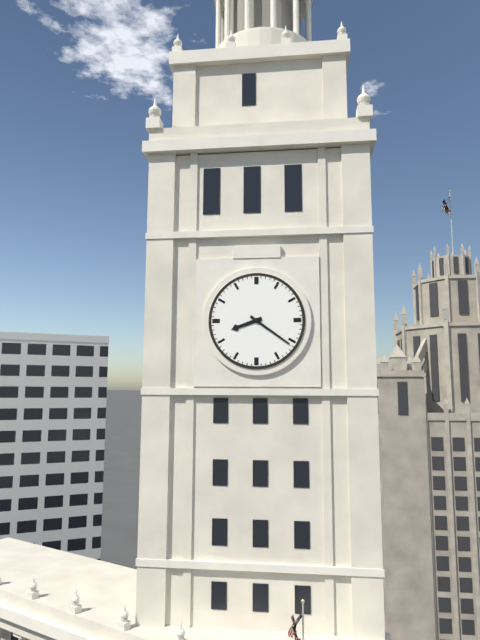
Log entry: 8:21
